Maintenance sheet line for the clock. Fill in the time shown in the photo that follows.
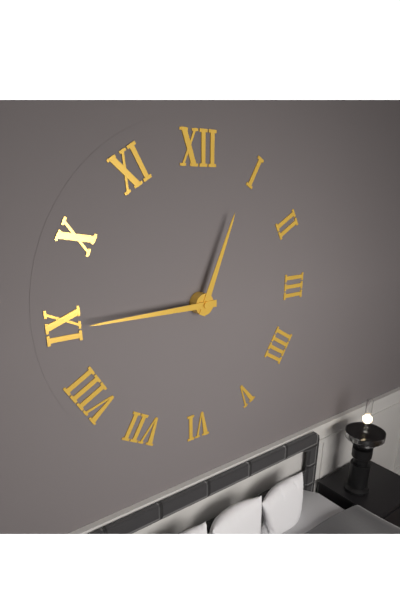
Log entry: 12:45
